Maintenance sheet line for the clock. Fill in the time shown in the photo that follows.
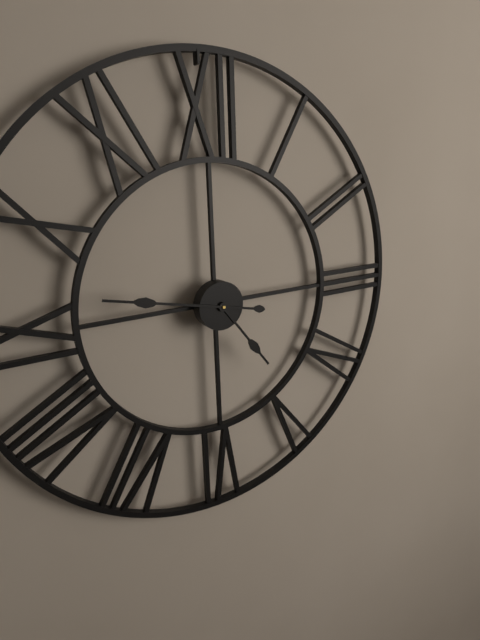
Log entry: 4:47
